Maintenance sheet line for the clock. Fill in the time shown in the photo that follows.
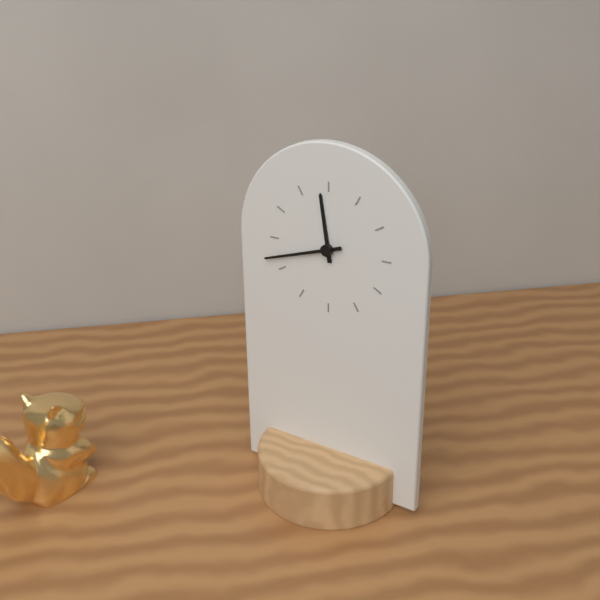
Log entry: 11:42
